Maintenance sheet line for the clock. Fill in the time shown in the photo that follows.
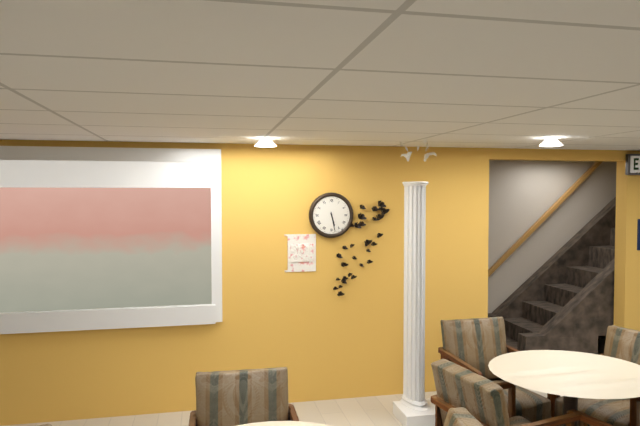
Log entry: 5:28
